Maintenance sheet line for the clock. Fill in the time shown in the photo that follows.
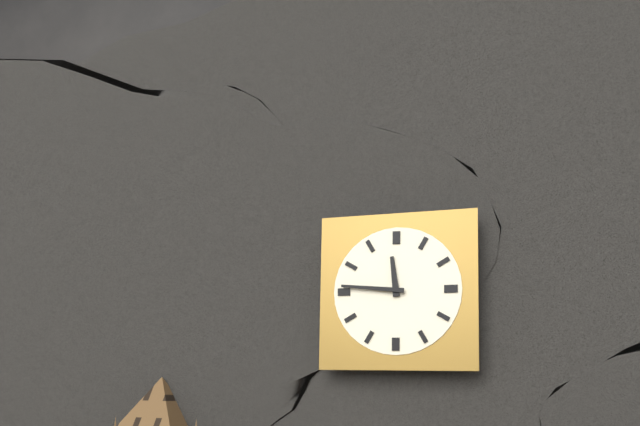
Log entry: 11:46
